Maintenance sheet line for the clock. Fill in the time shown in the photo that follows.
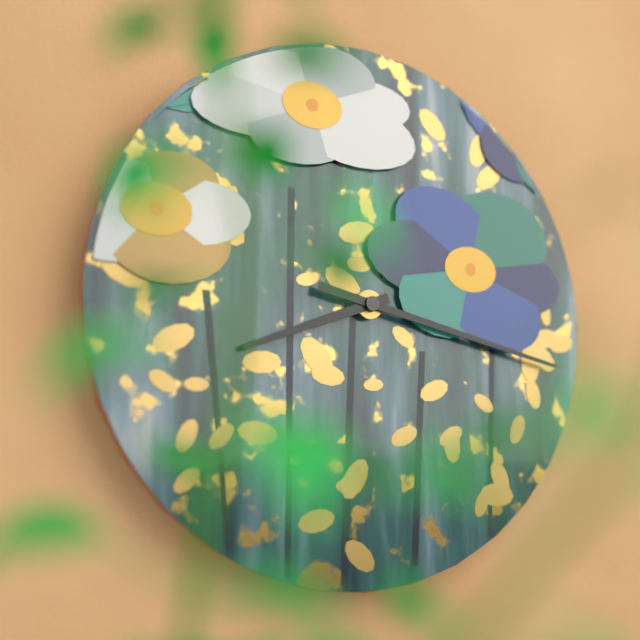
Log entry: 8:17
